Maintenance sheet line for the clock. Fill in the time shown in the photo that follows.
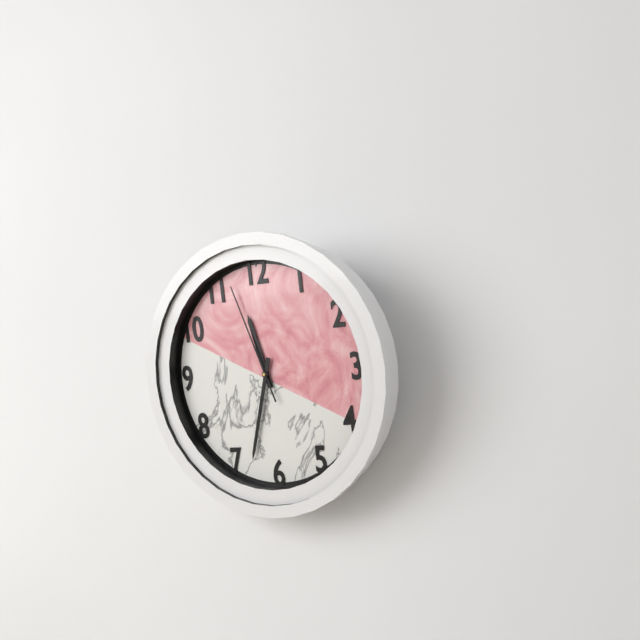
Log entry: 11:33:57
